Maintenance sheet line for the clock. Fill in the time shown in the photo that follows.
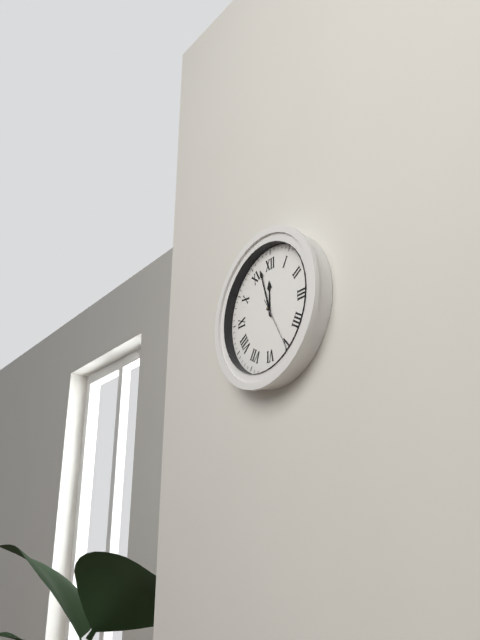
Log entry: 11:57:25
